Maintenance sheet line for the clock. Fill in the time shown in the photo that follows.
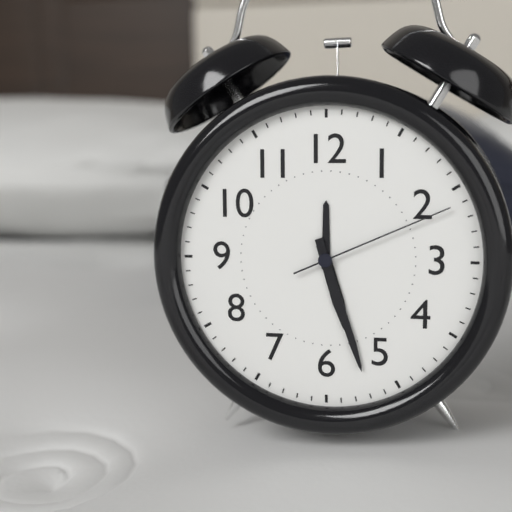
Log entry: 5:27:11
